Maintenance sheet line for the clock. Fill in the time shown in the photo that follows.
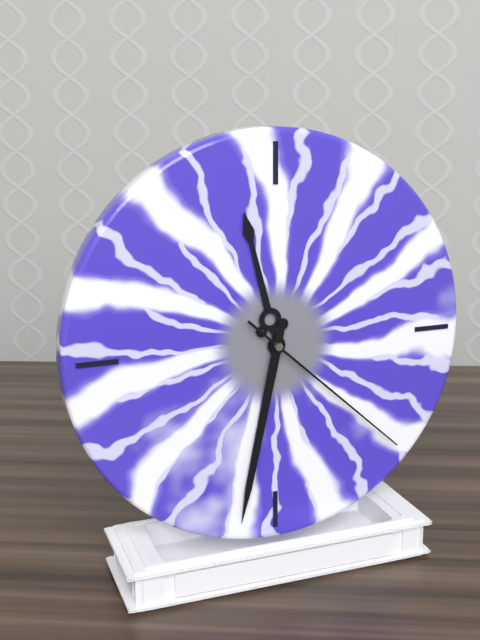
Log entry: 11:32:22
